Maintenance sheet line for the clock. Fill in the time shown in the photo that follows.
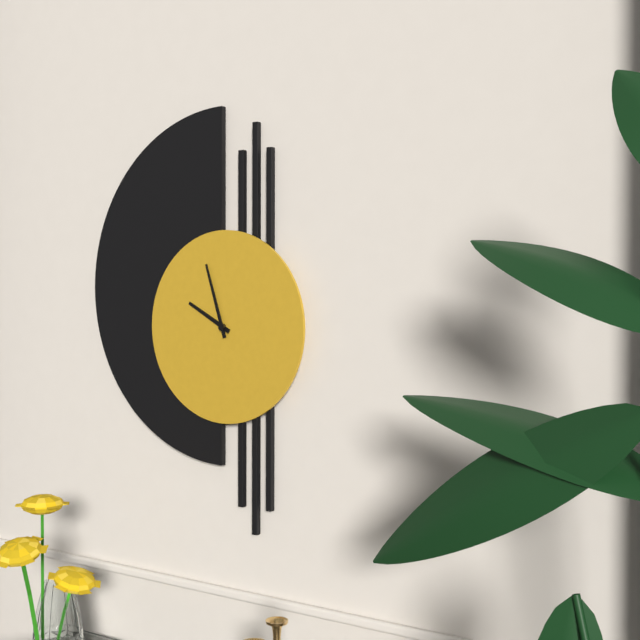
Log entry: 9:57
